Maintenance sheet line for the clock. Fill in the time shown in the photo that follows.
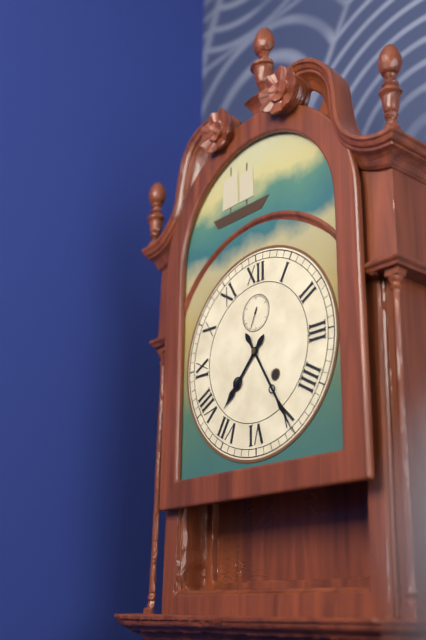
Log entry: 7:25
